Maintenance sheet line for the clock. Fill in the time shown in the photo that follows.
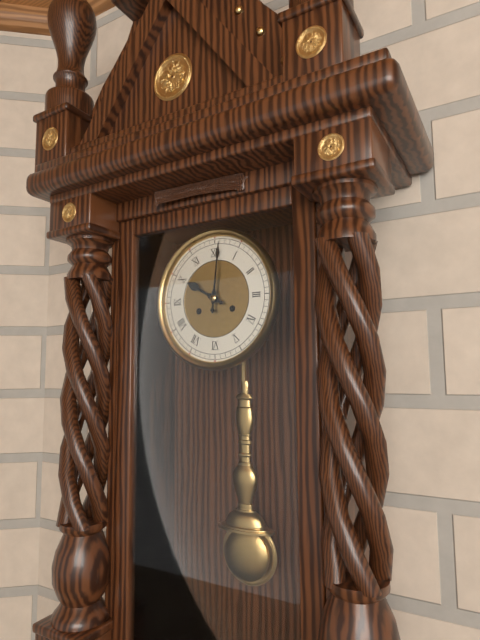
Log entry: 10:01
